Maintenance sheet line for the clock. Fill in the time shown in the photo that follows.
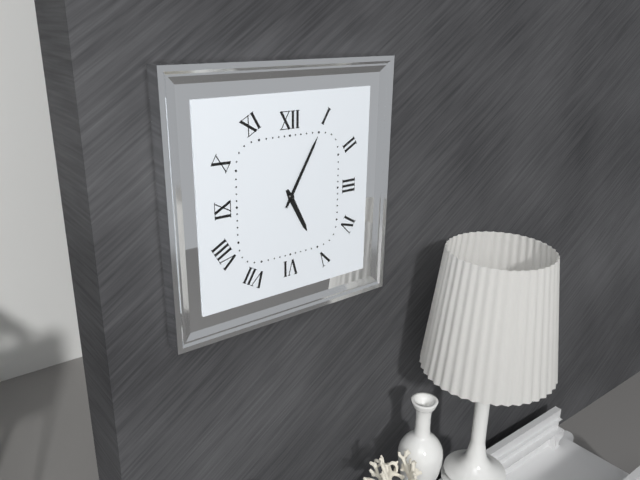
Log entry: 5:05
